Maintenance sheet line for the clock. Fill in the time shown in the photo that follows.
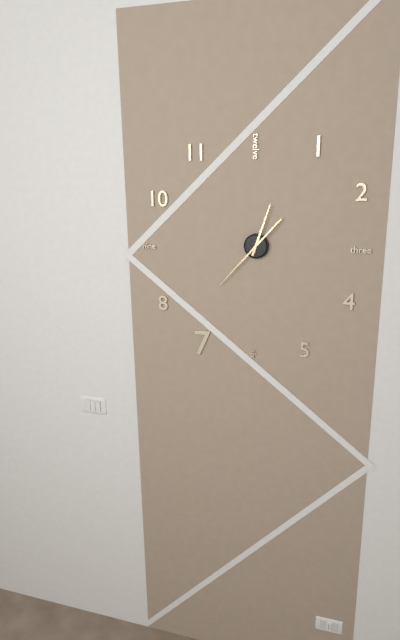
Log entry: 12:37
